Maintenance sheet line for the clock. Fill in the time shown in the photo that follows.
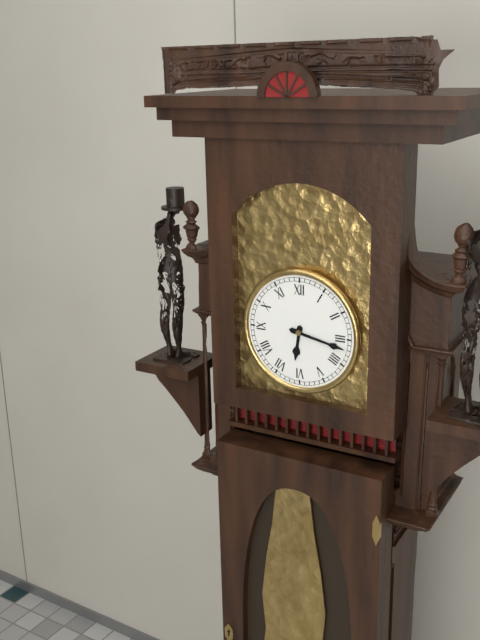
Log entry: 6:17
